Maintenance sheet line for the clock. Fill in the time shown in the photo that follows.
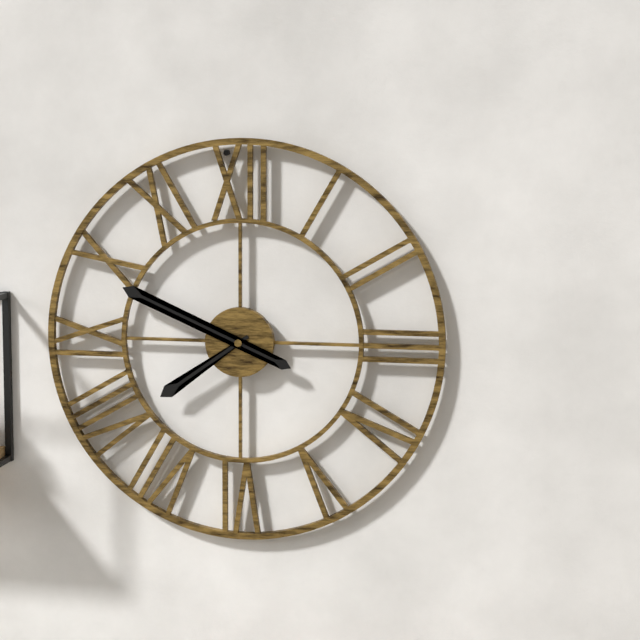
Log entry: 7:49
